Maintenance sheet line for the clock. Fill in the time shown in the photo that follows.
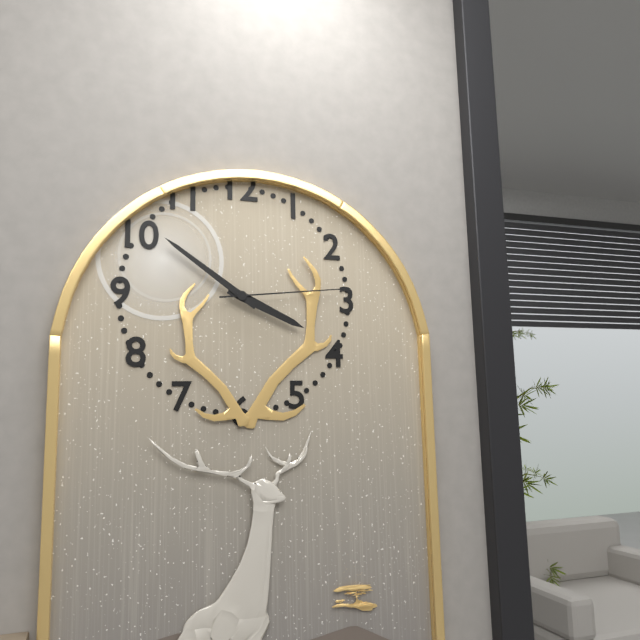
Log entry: 3:51:14
